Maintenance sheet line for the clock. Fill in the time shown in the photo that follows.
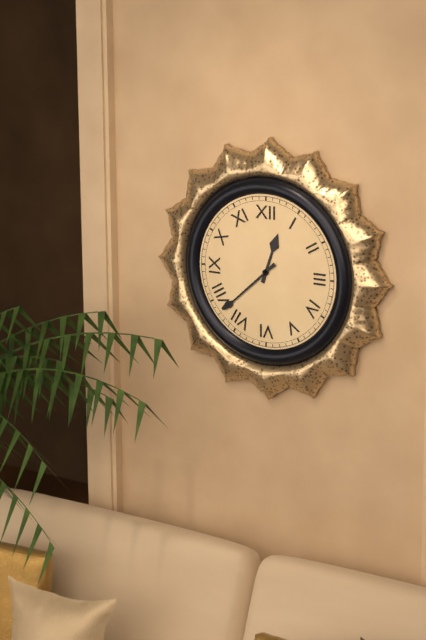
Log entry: 12:38
